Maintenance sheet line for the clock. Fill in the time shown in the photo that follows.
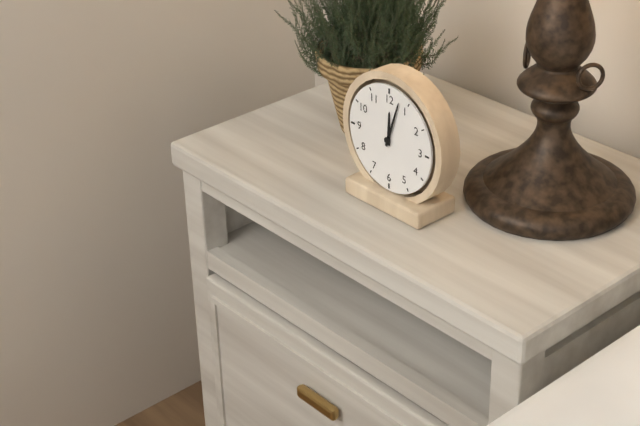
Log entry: 12:03
